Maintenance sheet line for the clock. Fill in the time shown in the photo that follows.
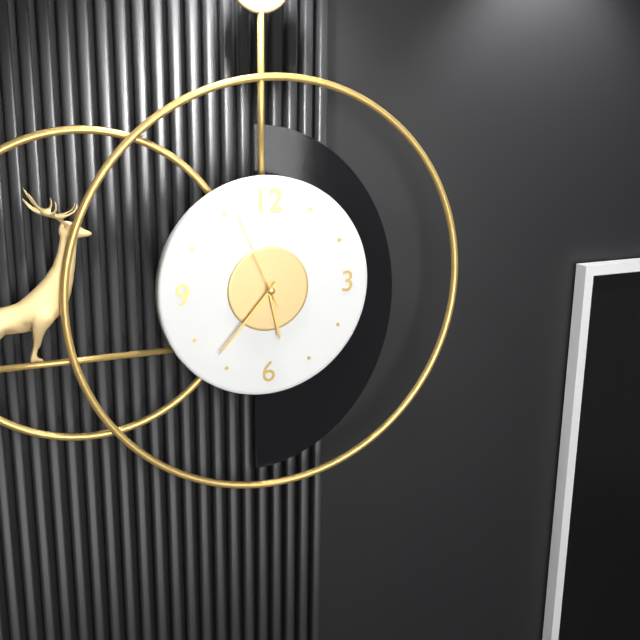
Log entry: 5:37:56
